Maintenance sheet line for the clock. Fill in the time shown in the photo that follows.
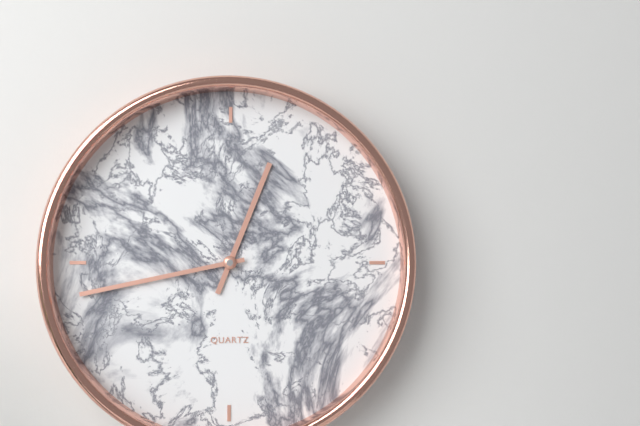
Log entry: 12:43
